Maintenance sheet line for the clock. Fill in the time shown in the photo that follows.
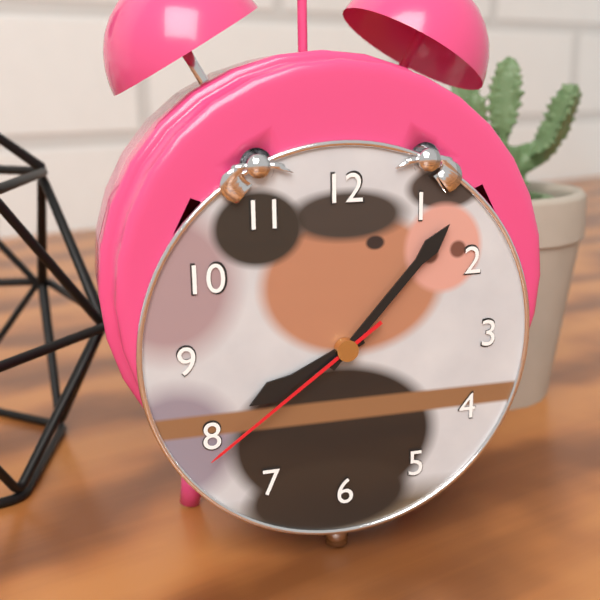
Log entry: 8:07:39
